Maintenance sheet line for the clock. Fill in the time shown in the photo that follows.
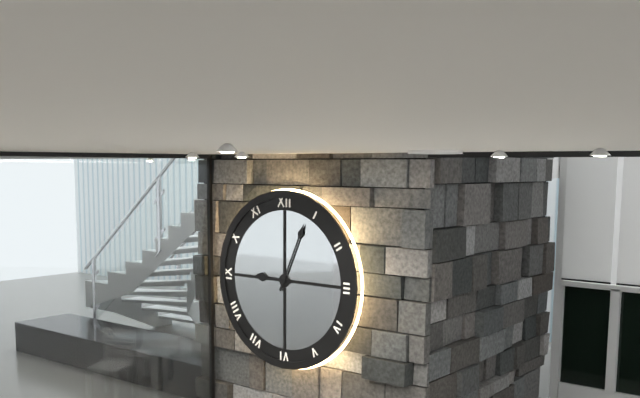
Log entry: 9:04
